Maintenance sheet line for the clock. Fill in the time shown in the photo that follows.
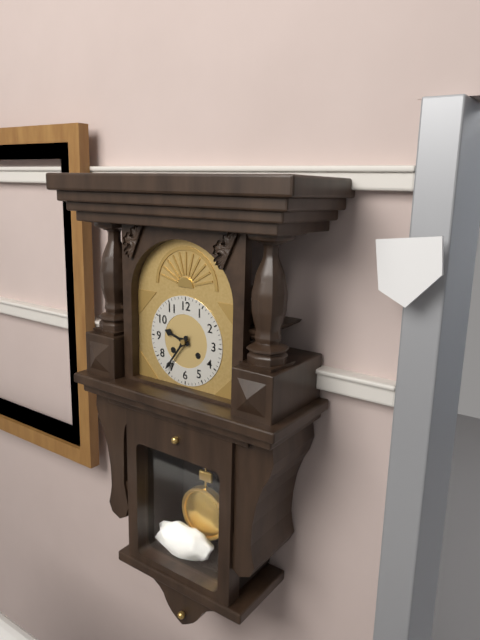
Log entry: 9:36
